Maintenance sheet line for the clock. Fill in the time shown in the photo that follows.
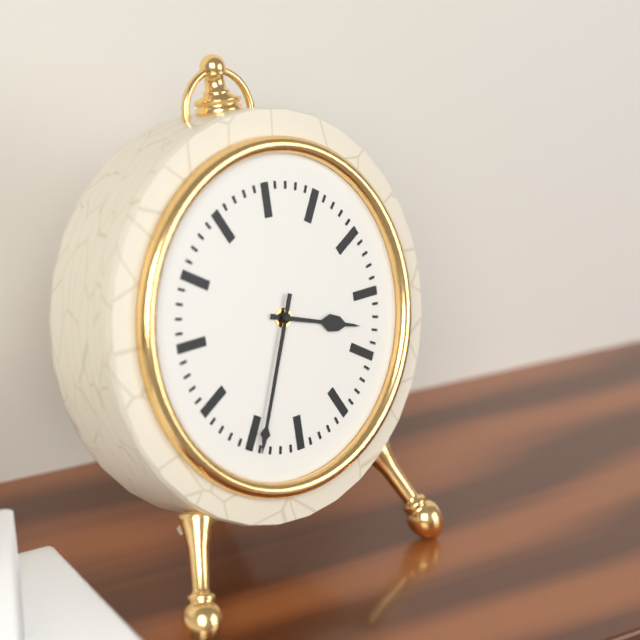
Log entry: 3:34
